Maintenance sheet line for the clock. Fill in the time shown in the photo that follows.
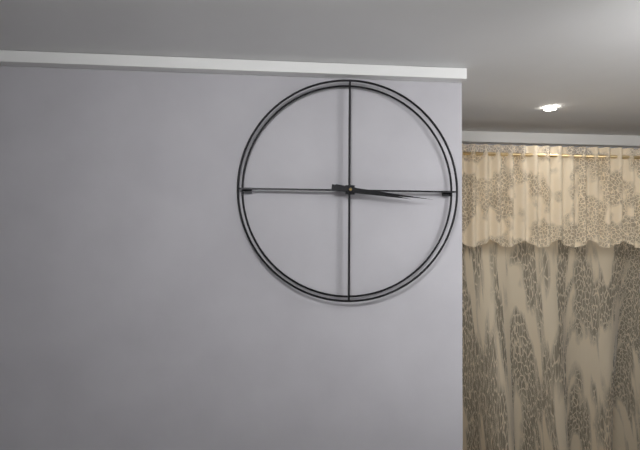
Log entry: 3:16
